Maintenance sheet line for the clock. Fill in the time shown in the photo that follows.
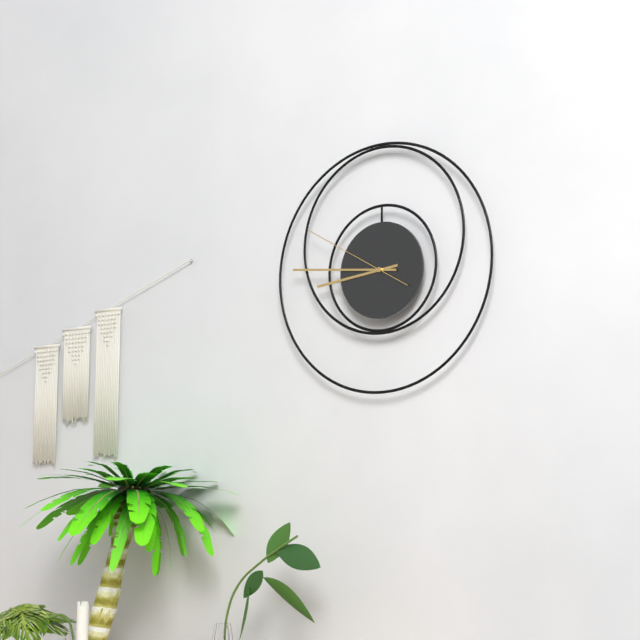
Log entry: 8:46:50
